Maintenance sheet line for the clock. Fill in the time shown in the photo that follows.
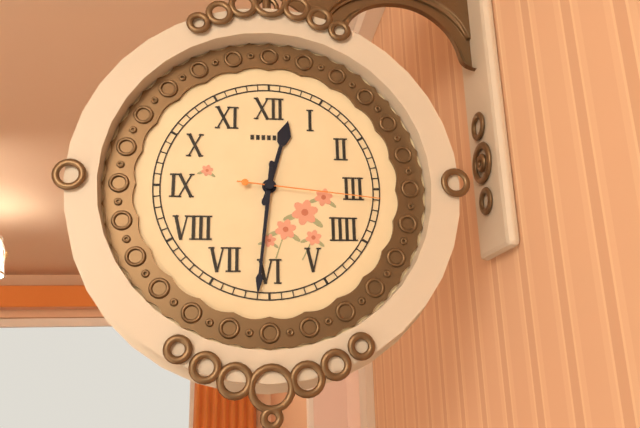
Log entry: 12:31:16
